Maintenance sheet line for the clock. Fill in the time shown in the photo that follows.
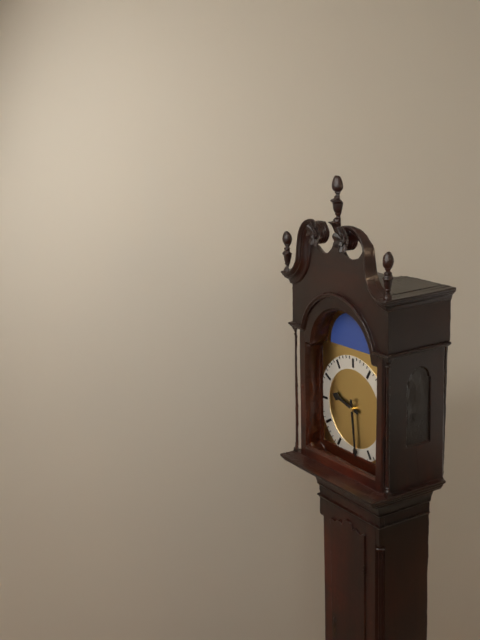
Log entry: 9:29
